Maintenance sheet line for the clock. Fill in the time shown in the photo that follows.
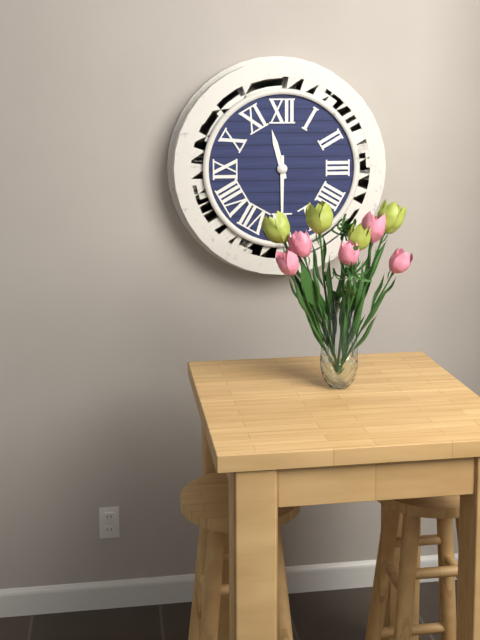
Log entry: 11:30
